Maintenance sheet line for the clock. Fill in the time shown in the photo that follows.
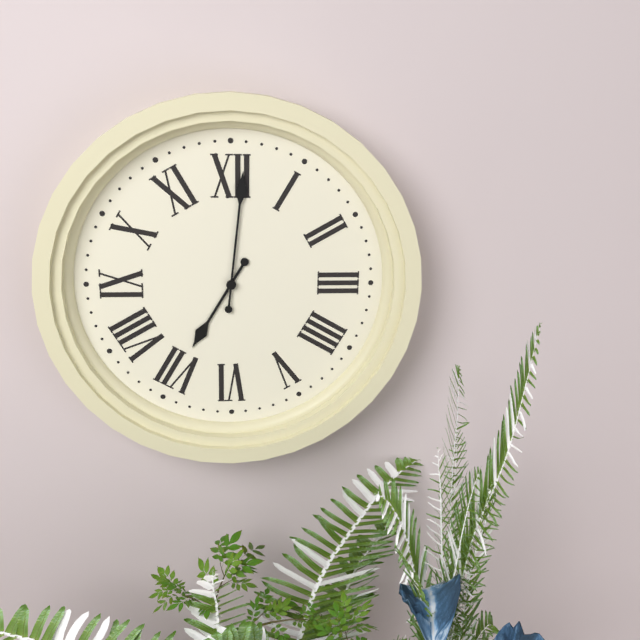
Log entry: 7:01
